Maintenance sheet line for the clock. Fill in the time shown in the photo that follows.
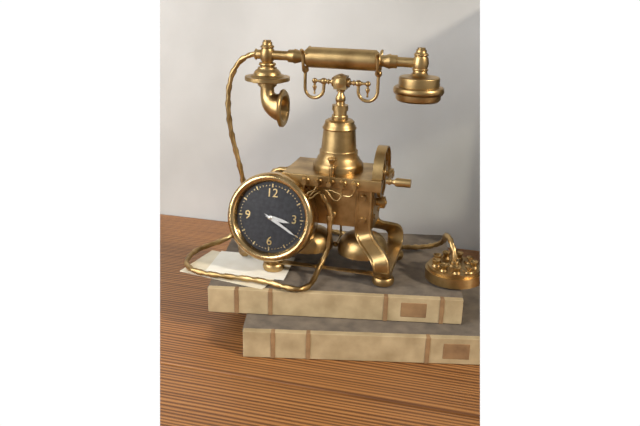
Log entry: 3:20
